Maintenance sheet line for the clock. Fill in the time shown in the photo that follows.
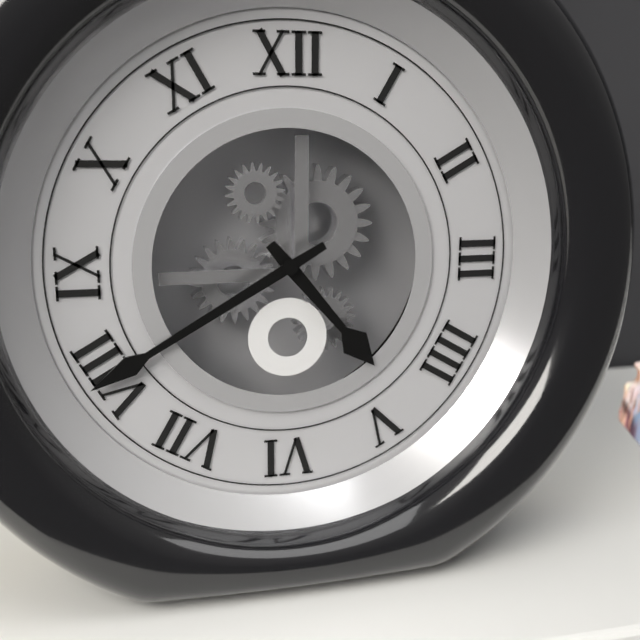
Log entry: 4:40
